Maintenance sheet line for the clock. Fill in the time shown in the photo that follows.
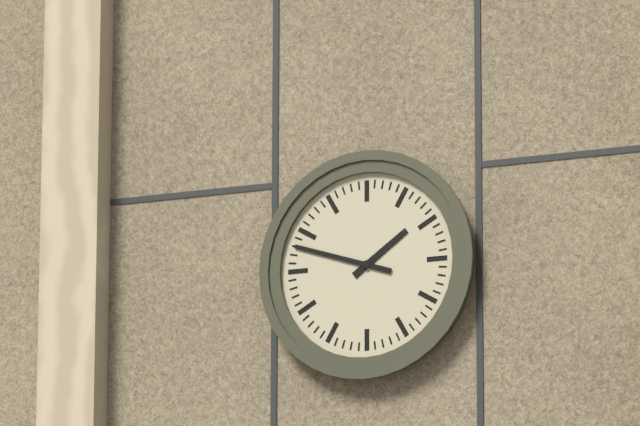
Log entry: 1:48
